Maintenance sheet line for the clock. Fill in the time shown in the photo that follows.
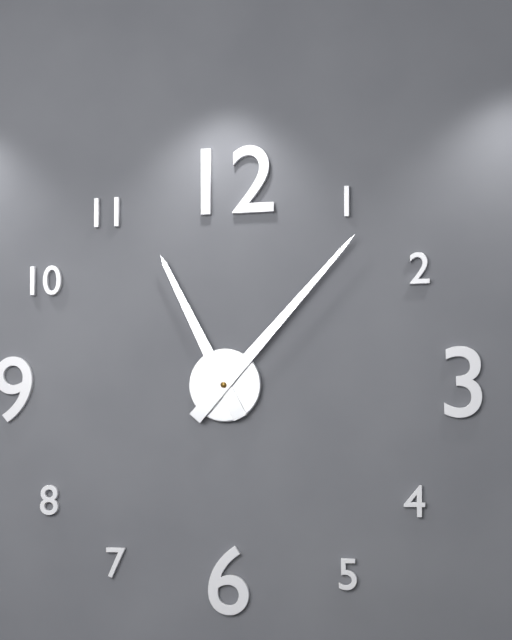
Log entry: 11:07
